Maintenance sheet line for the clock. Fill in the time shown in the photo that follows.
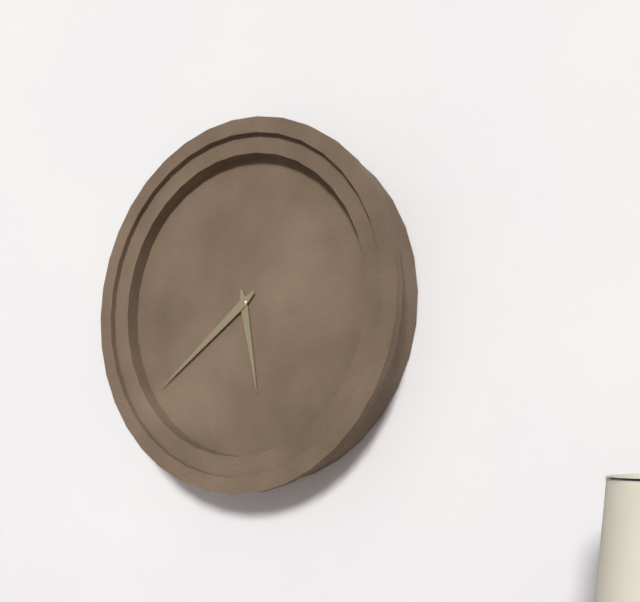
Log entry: 5:39
